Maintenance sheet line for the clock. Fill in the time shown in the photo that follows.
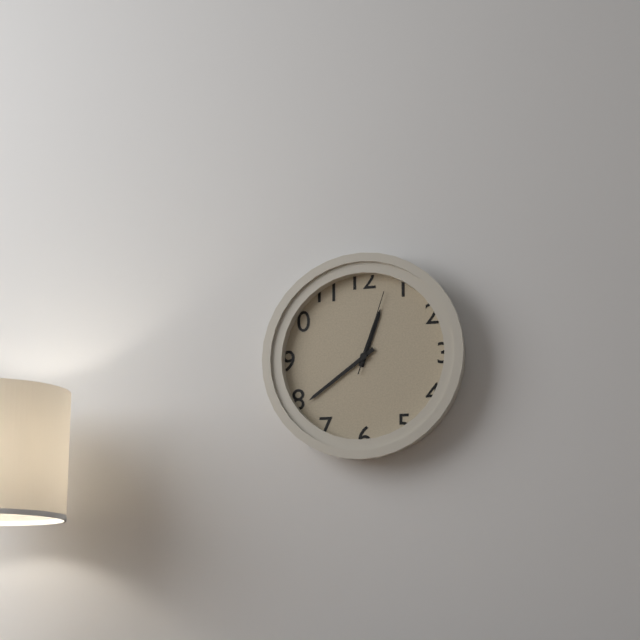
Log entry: 12:39:03
